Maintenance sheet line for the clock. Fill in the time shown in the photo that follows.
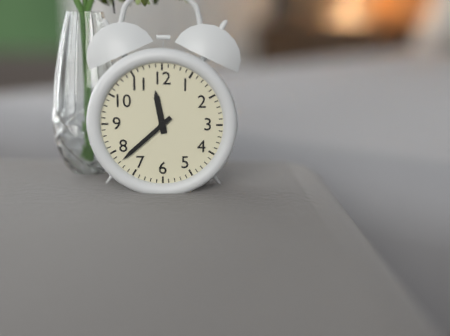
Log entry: 11:38
